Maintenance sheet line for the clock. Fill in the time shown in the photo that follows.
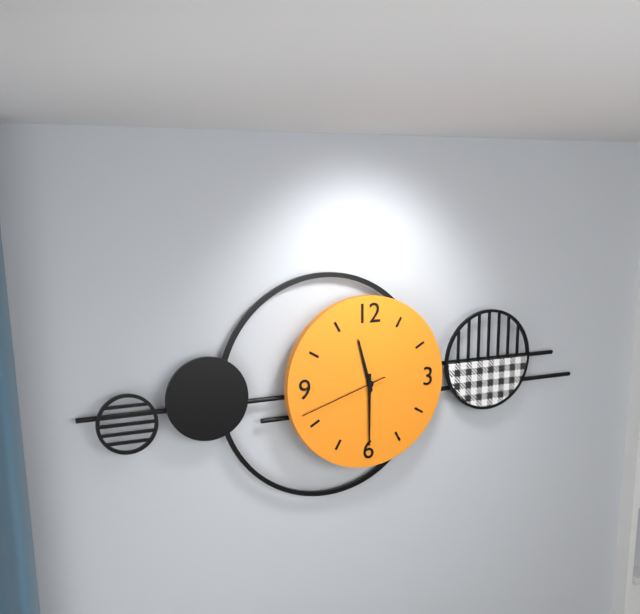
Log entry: 11:30:42
